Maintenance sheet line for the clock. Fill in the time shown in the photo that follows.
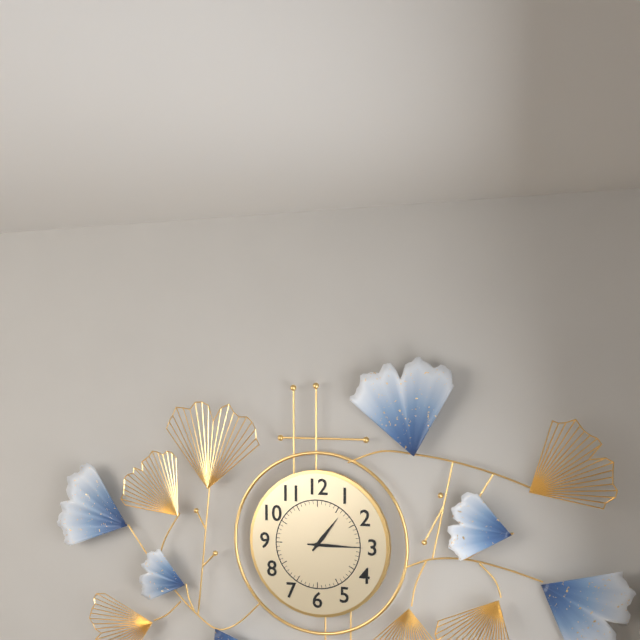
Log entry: 1:15
